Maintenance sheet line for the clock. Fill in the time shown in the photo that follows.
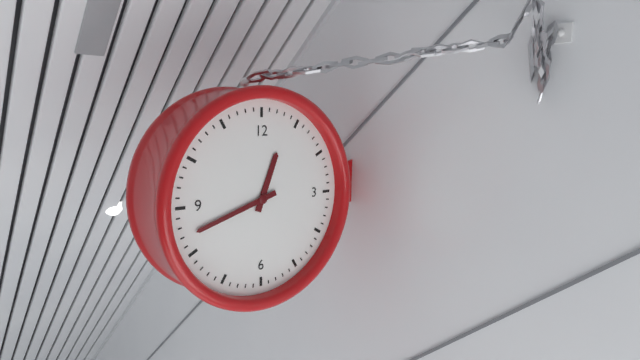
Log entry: 12:42
